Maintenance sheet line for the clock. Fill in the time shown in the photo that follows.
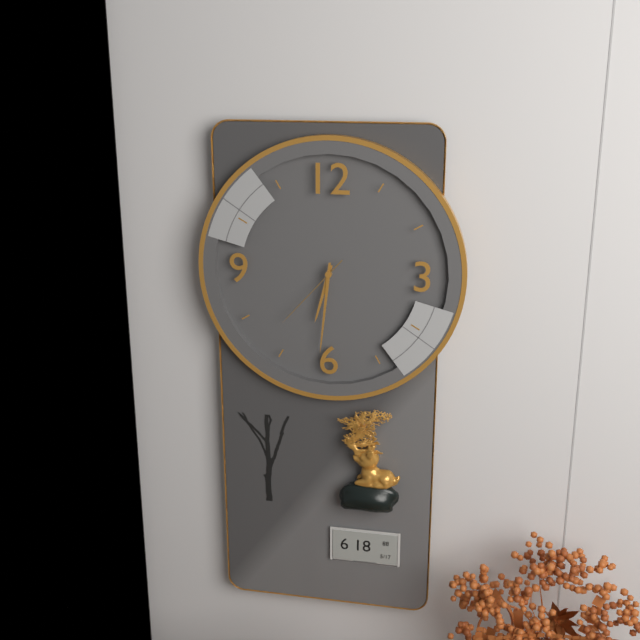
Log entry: 6:31:37
